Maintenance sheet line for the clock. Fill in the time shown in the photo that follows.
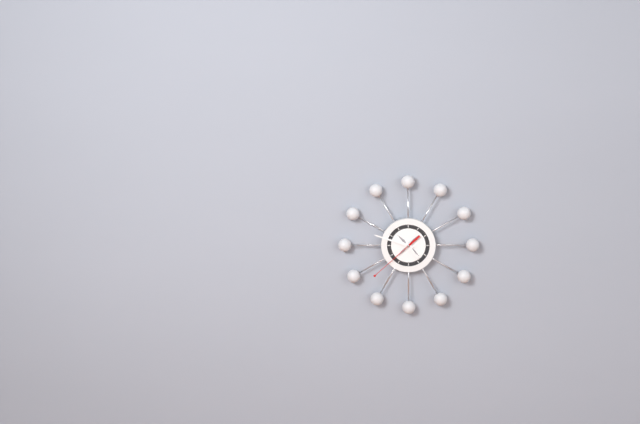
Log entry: 4:48:38
